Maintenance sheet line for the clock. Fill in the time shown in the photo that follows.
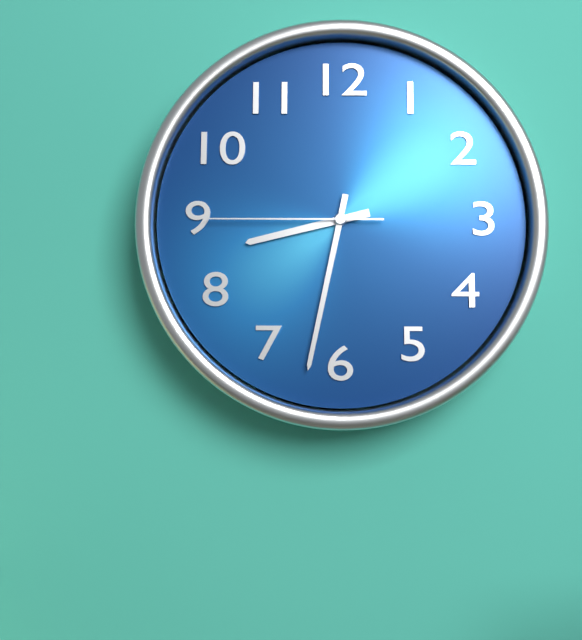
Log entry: 8:32:45
